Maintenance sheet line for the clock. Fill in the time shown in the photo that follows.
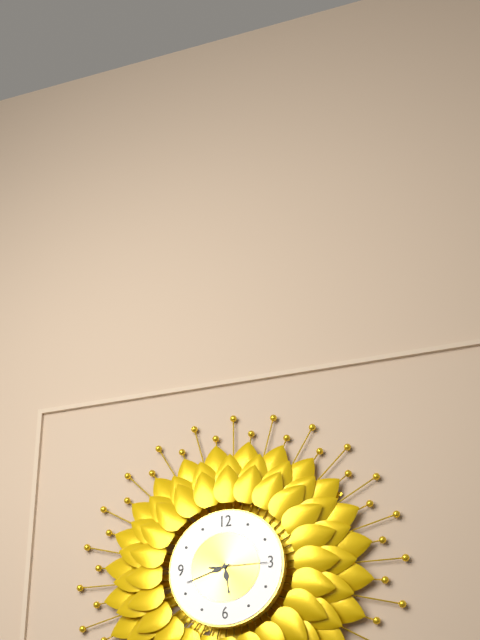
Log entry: 5:42:15
